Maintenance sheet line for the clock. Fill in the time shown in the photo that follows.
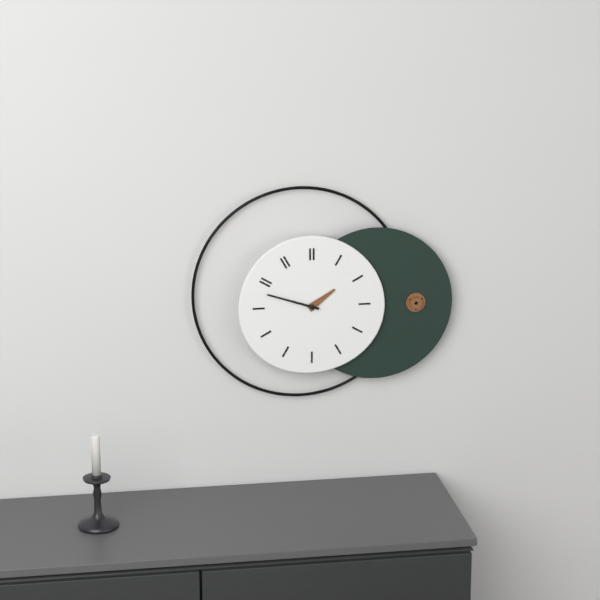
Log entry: 1:48
